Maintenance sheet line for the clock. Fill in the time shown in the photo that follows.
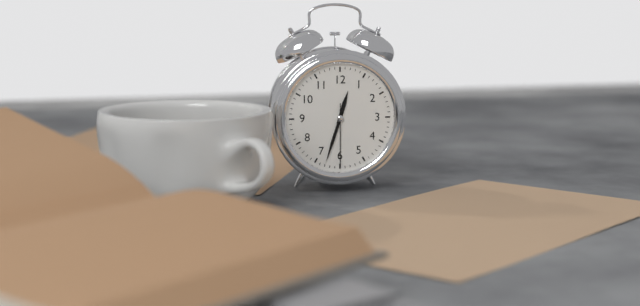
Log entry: 12:33:30
